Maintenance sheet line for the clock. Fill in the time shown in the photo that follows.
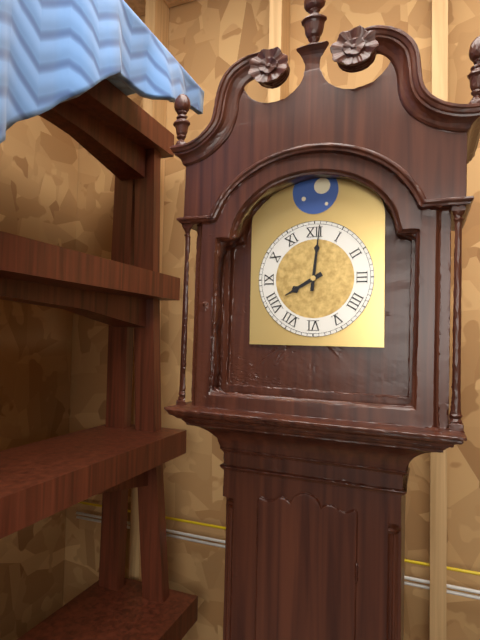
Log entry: 8:01
